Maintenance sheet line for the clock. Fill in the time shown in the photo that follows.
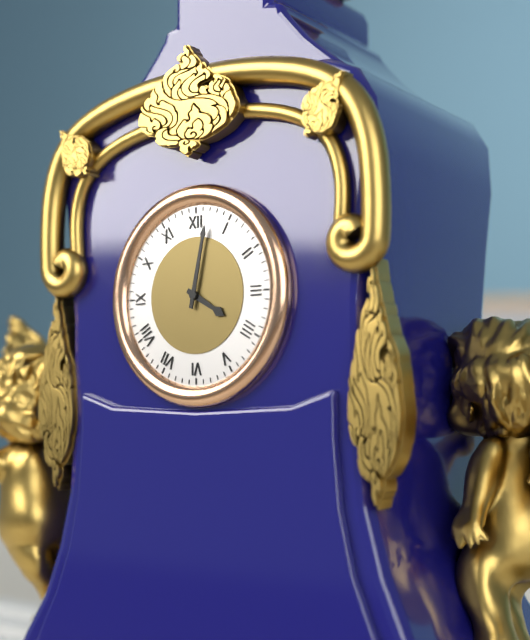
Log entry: 4:02
